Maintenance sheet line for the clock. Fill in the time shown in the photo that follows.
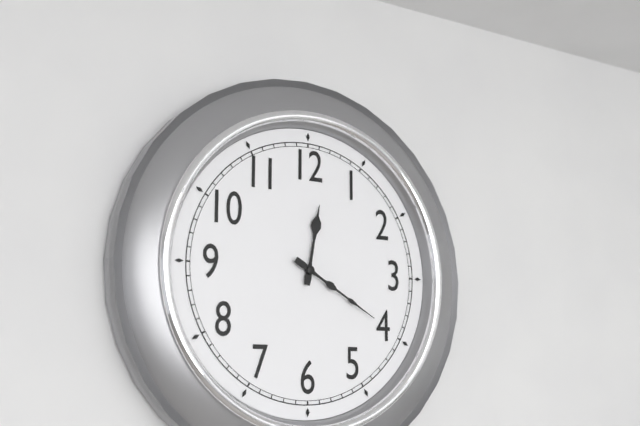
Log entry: 12:20
